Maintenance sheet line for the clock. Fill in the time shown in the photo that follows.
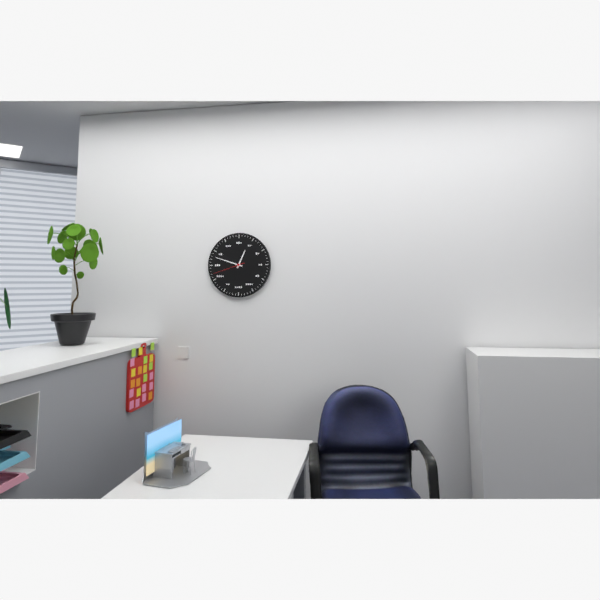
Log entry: 12:48
